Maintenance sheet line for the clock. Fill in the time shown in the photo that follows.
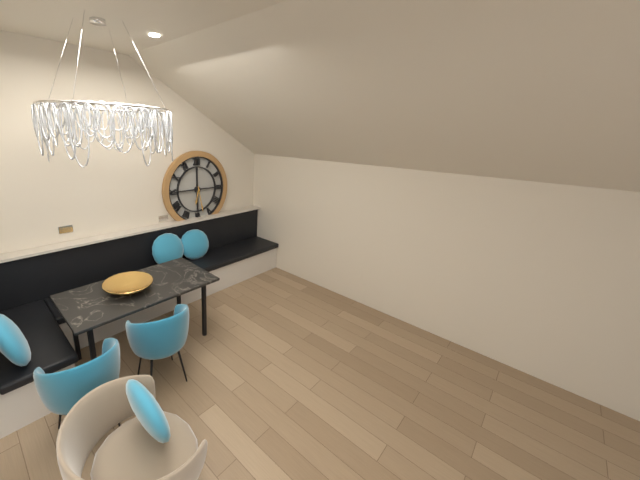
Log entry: 6:28
